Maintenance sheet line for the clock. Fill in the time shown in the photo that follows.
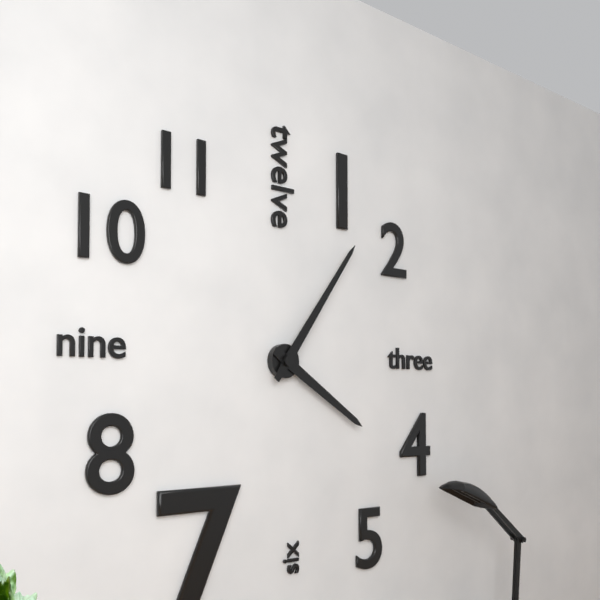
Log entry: 4:06
